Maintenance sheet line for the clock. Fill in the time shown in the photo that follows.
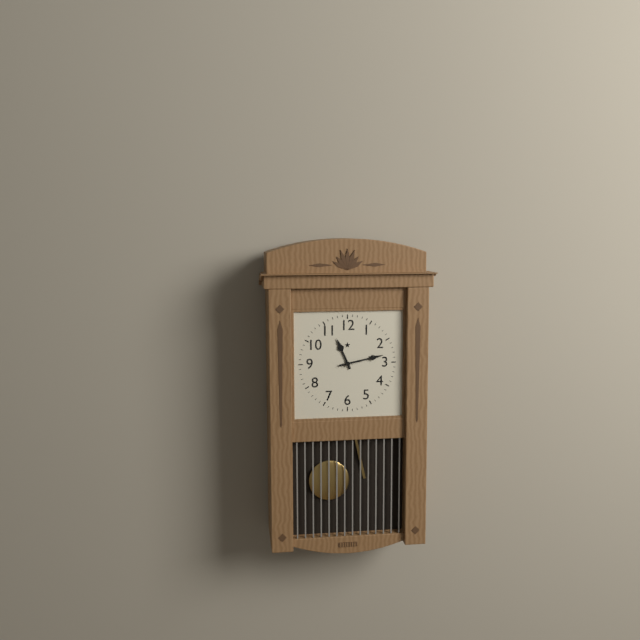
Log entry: 11:13
